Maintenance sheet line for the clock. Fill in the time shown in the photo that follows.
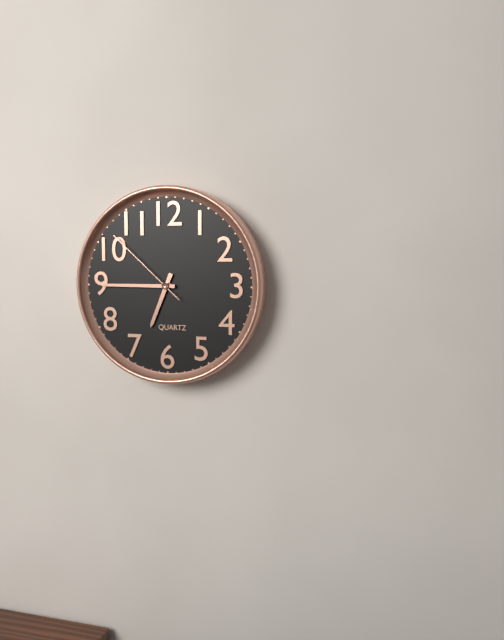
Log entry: 6:45:52
